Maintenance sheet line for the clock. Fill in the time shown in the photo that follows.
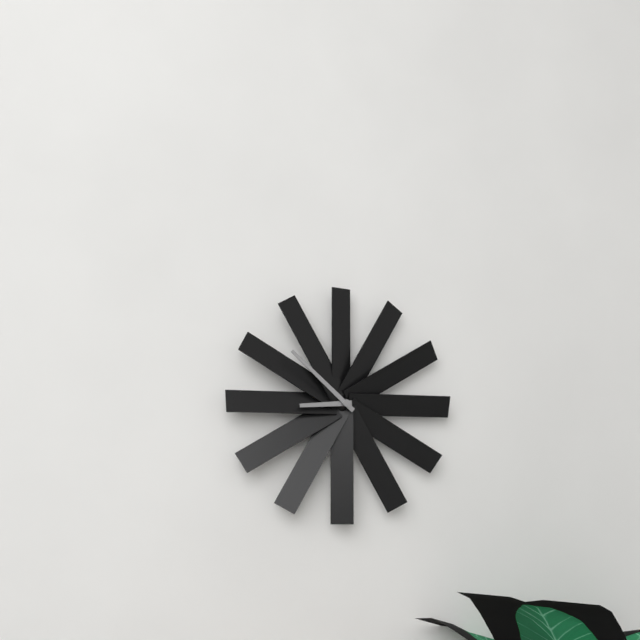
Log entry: 8:52
